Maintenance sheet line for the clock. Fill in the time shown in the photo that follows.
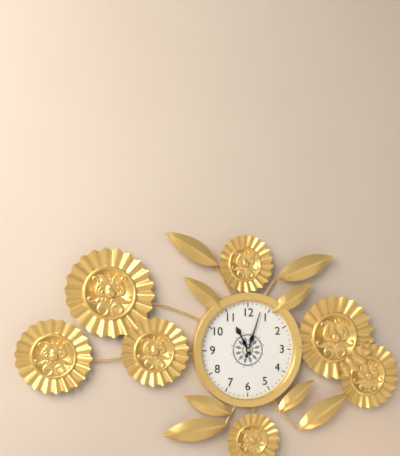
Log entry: 11:03
